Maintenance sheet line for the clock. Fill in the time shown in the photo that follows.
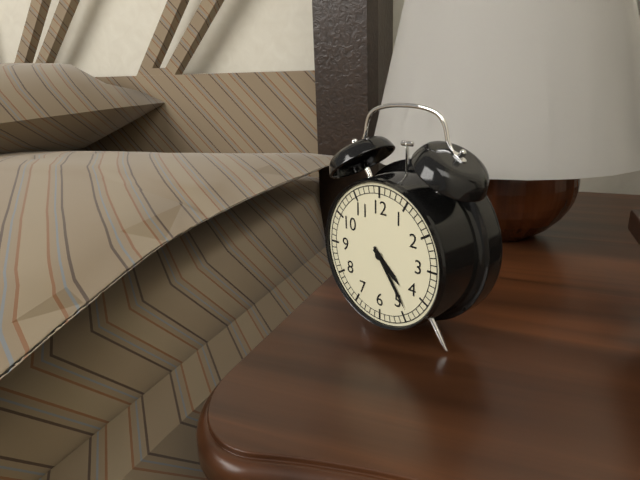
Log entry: 4:24
